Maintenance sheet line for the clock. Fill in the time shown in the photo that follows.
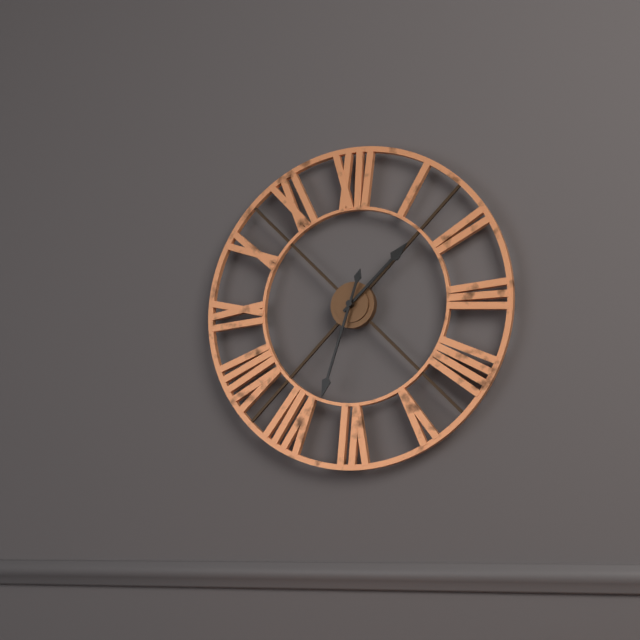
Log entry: 1:33
